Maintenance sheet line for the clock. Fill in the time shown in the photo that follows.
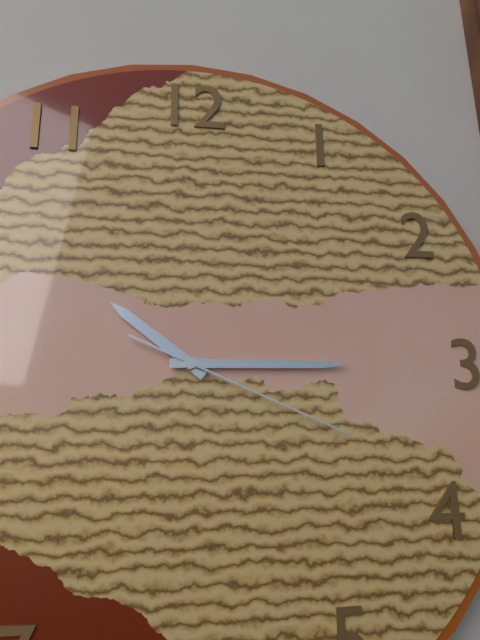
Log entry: 10:15:19
